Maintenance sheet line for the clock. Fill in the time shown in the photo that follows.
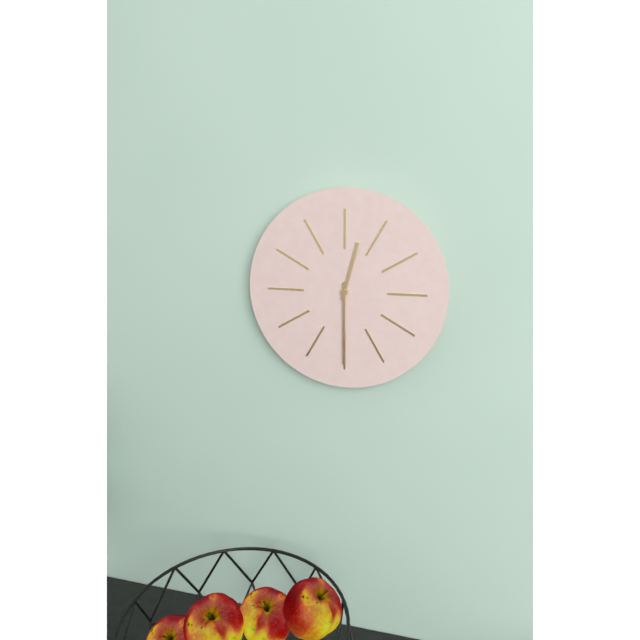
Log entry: 12:30
